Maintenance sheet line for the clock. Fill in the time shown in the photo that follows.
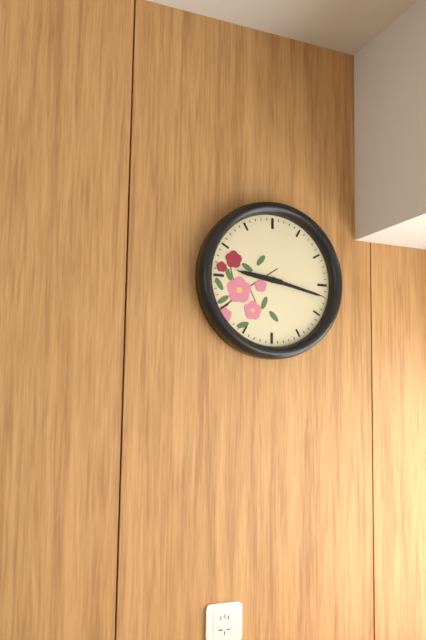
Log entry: 9:17
